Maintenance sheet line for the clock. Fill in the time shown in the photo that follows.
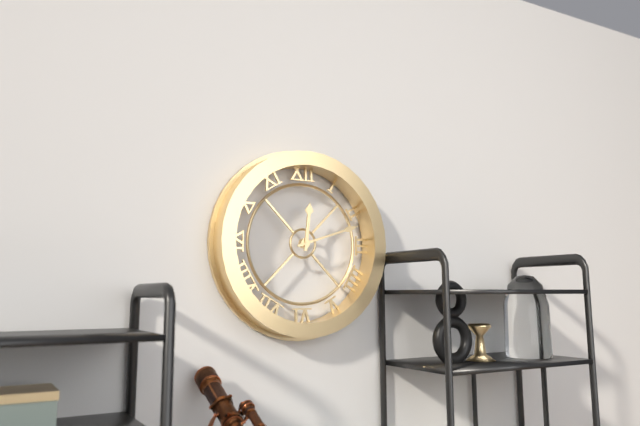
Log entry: 12:12
